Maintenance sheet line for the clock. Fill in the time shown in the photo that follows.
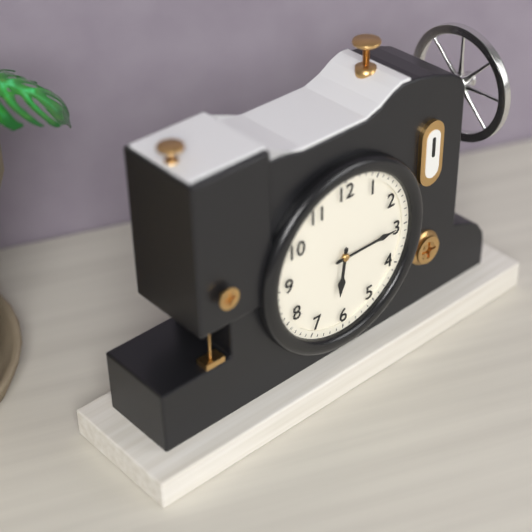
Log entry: 6:15
